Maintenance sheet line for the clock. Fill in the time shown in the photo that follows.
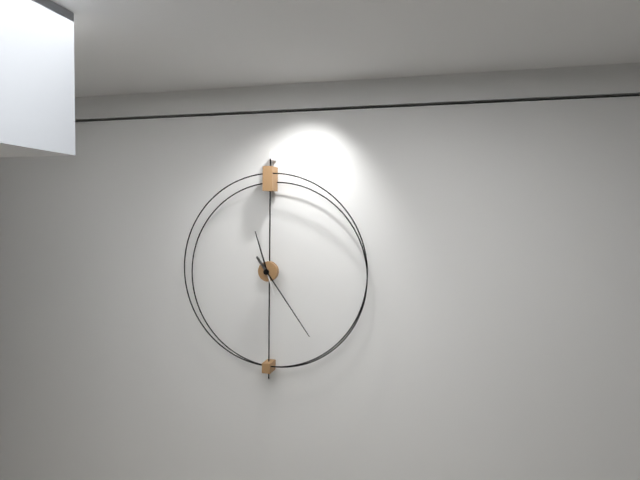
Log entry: 11:24
